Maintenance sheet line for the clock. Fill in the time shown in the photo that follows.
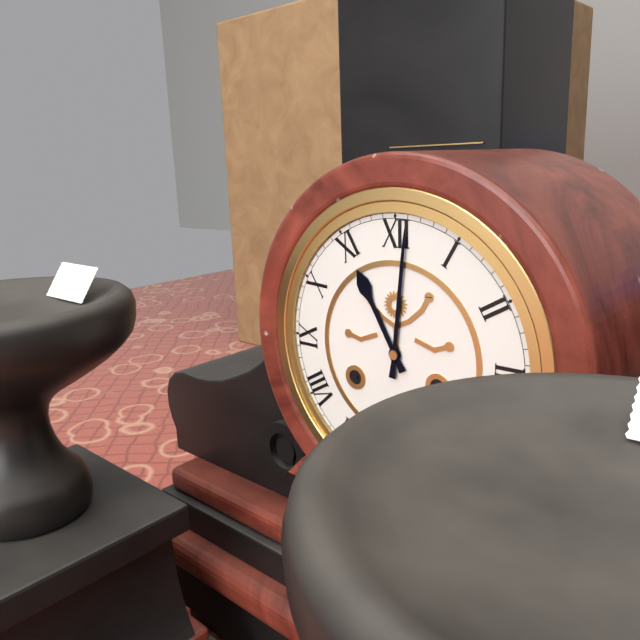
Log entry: 11:01
